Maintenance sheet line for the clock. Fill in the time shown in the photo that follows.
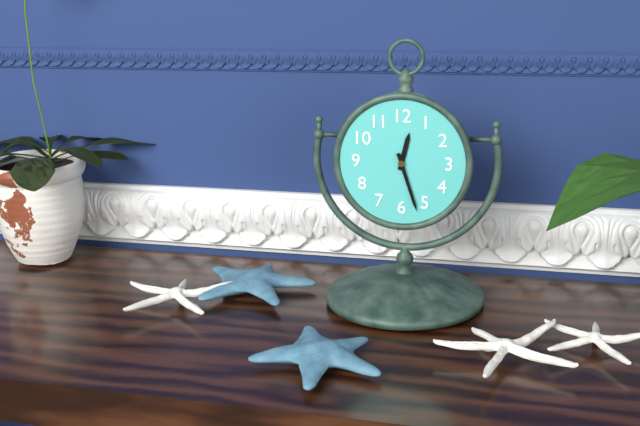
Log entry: 12:27
